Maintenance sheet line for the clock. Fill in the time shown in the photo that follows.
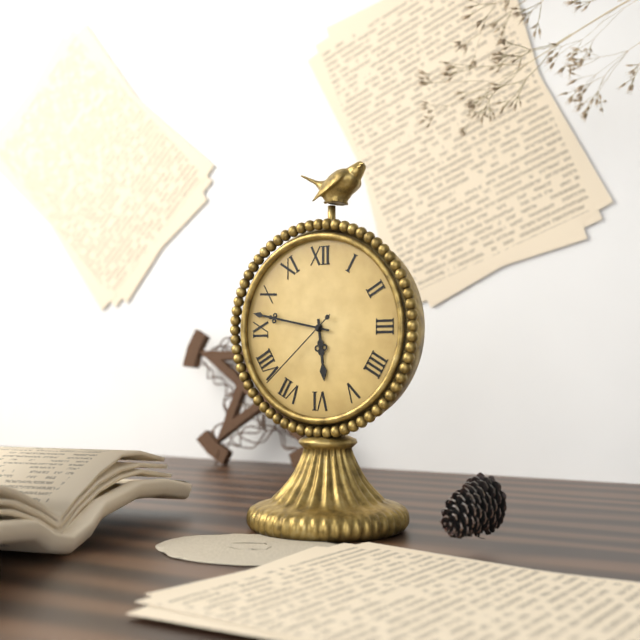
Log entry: 5:47:38
